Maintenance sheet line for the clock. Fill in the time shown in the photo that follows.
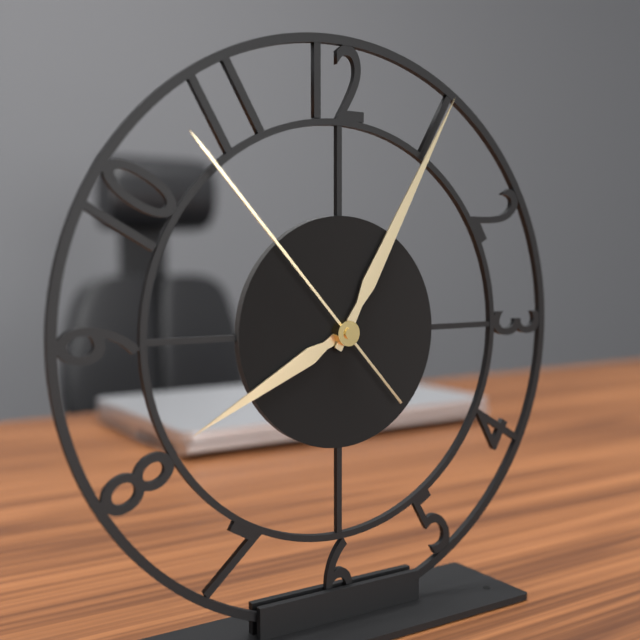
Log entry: 8:05:53
